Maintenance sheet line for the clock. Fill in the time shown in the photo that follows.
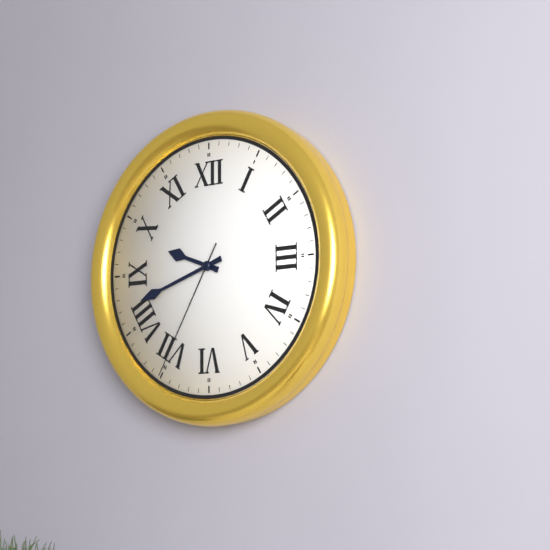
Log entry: 9:42:35
